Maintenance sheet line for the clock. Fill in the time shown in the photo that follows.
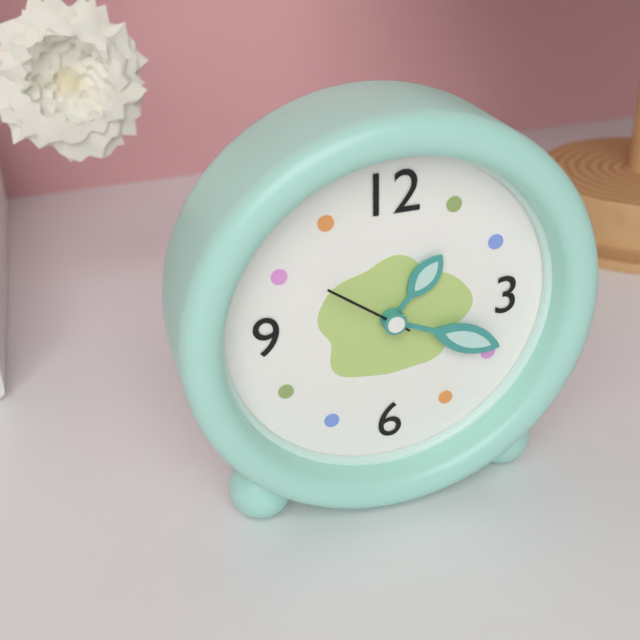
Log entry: 1:19:51
